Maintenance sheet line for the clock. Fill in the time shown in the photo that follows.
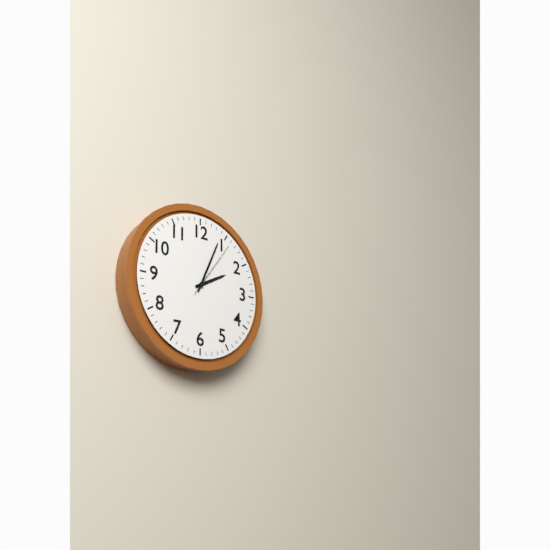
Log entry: 2:04:06
